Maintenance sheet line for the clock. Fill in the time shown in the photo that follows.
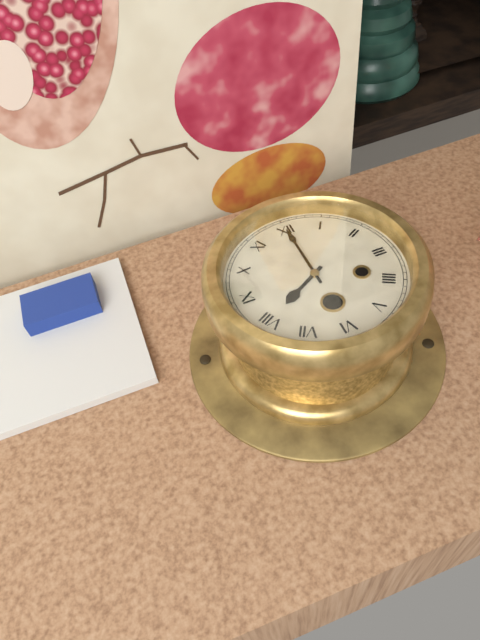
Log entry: 8:00
